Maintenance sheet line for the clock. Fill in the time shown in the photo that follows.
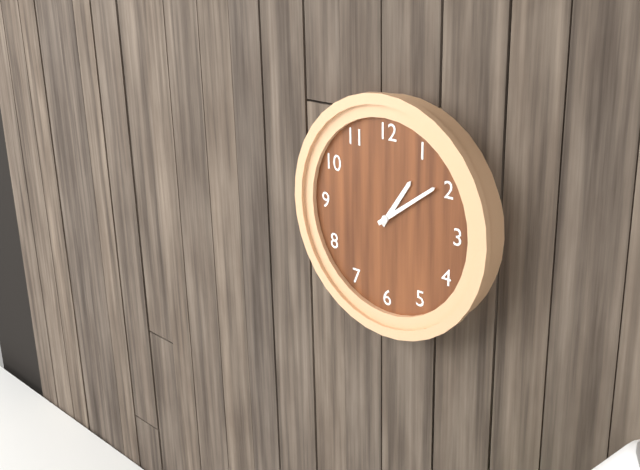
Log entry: 1:09
